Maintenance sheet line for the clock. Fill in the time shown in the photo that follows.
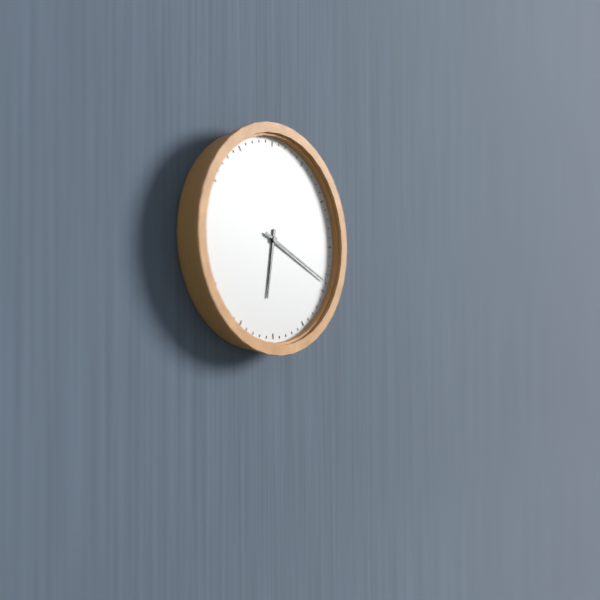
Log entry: 6:19
